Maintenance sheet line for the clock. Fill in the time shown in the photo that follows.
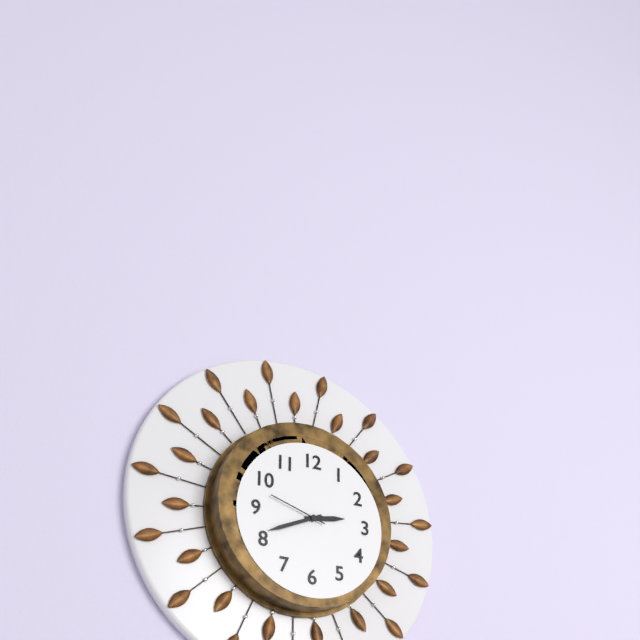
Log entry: 2:41:48
